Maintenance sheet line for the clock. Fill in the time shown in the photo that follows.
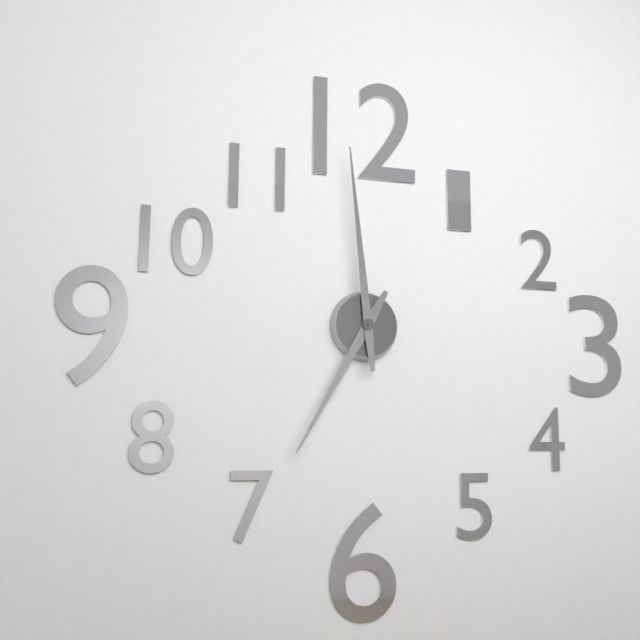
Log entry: 6:59
